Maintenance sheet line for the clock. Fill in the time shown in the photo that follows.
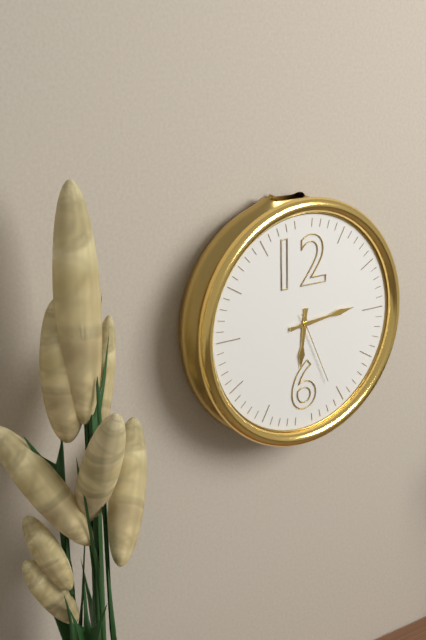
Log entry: 6:14:26
